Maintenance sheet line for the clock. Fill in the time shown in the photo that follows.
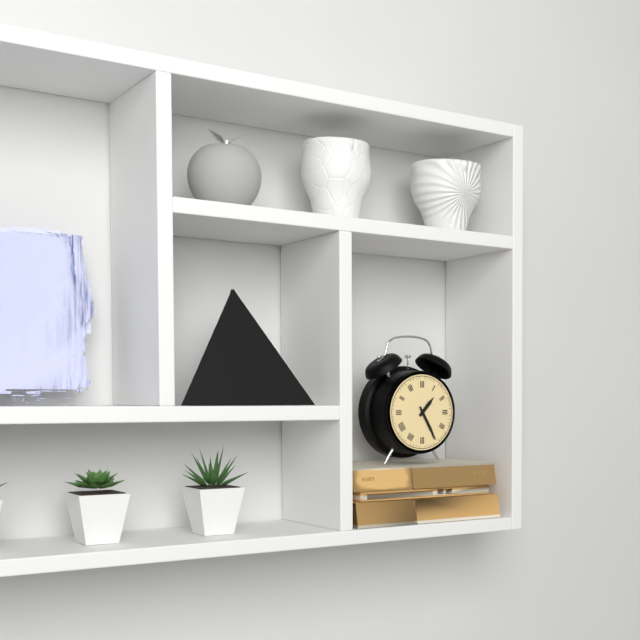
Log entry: 1:25
